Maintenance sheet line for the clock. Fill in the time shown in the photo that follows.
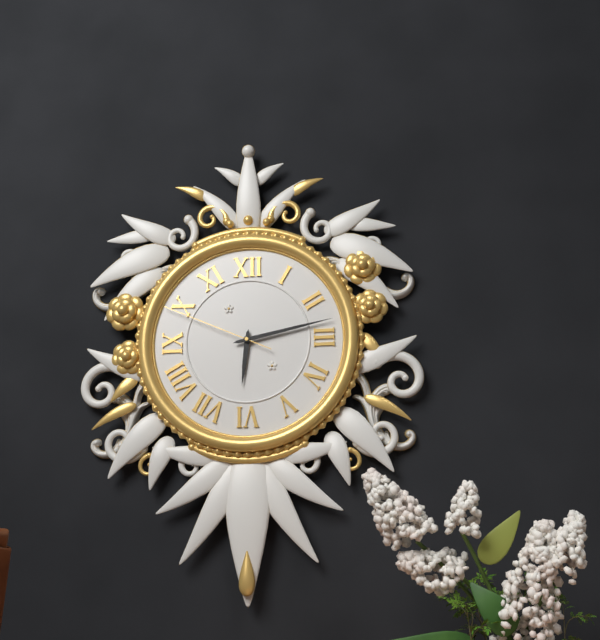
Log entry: 6:13:49
